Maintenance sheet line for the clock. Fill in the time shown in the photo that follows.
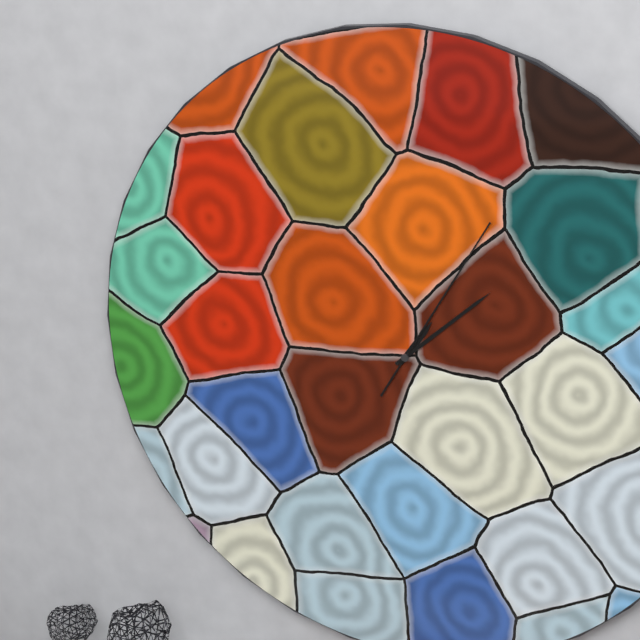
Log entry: 1:08:05
